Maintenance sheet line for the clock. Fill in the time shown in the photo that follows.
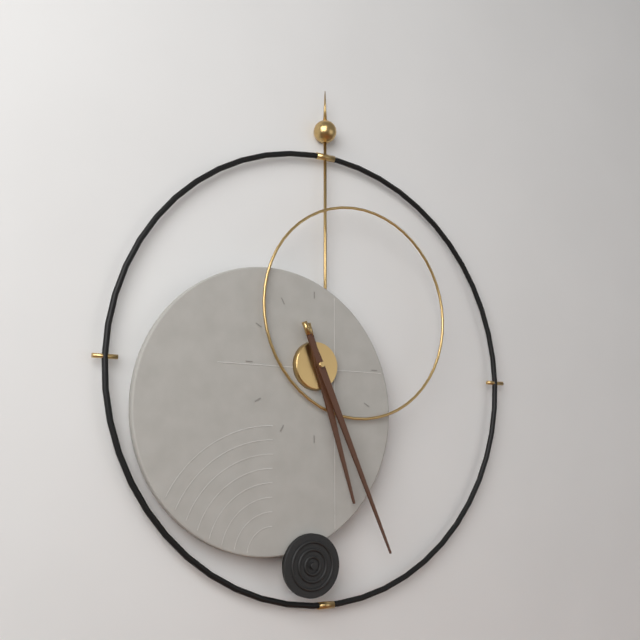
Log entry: 5:26
